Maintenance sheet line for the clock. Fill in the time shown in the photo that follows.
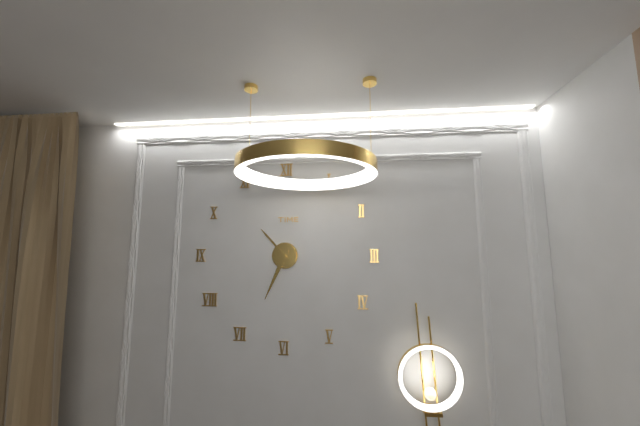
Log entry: 10:34
